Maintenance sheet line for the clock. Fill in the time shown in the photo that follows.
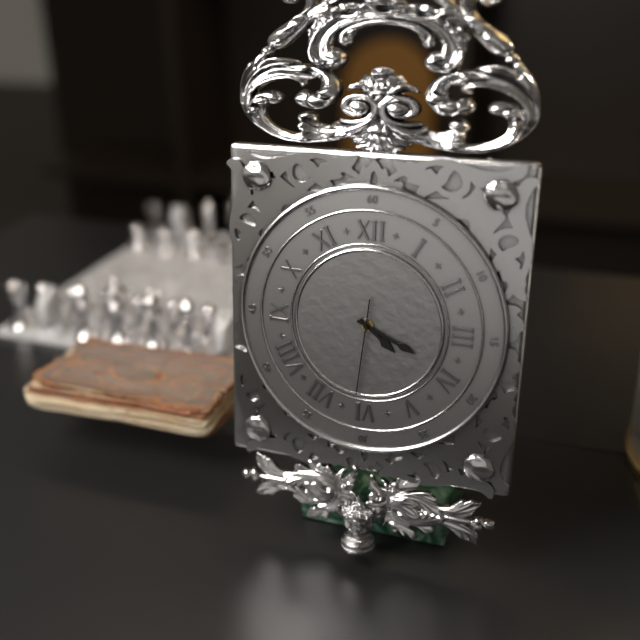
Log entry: 4:19:31
